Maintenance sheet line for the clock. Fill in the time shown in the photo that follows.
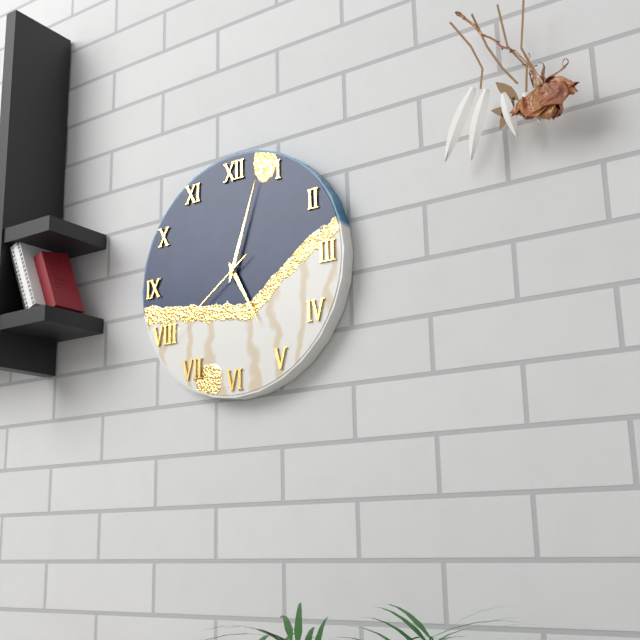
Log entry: 5:03:39
